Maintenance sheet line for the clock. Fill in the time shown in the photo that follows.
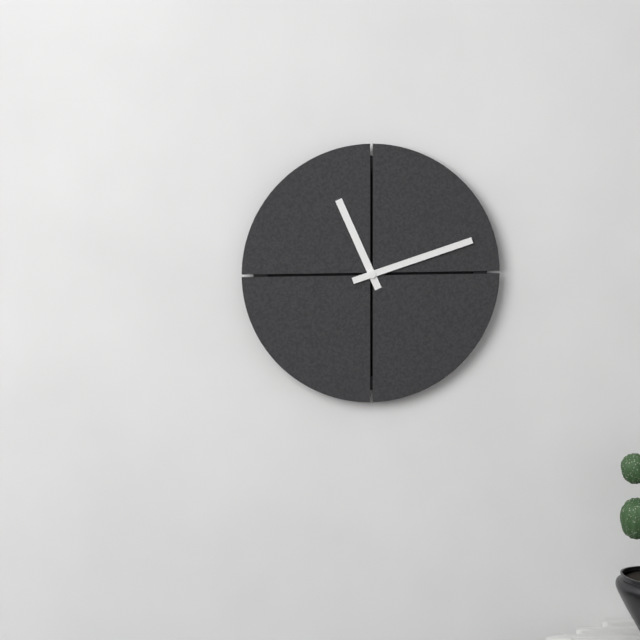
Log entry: 11:12
